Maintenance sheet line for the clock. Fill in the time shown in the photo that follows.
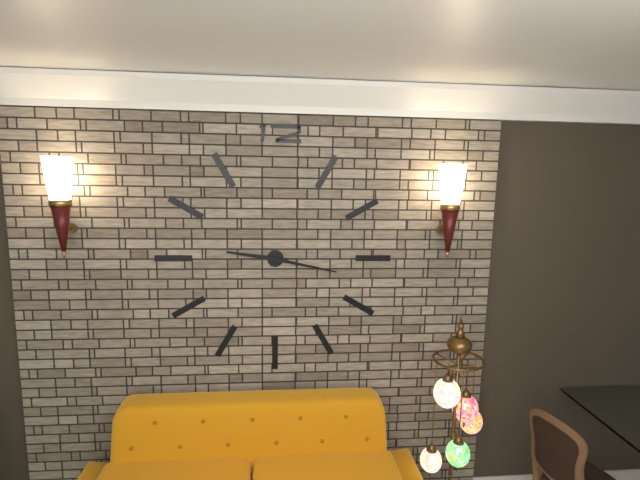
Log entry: 9:17
